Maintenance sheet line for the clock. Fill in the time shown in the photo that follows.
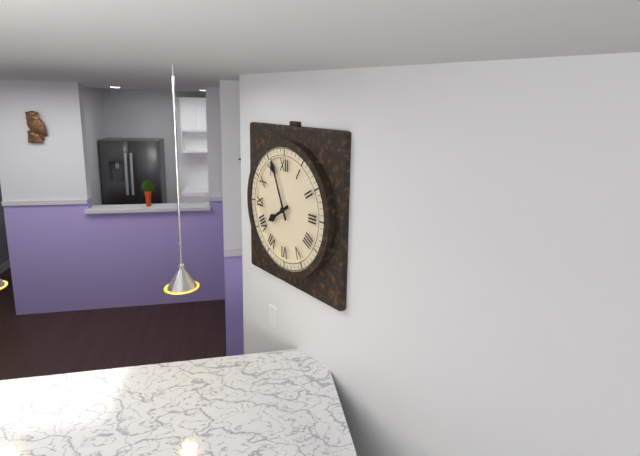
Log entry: 7:56
